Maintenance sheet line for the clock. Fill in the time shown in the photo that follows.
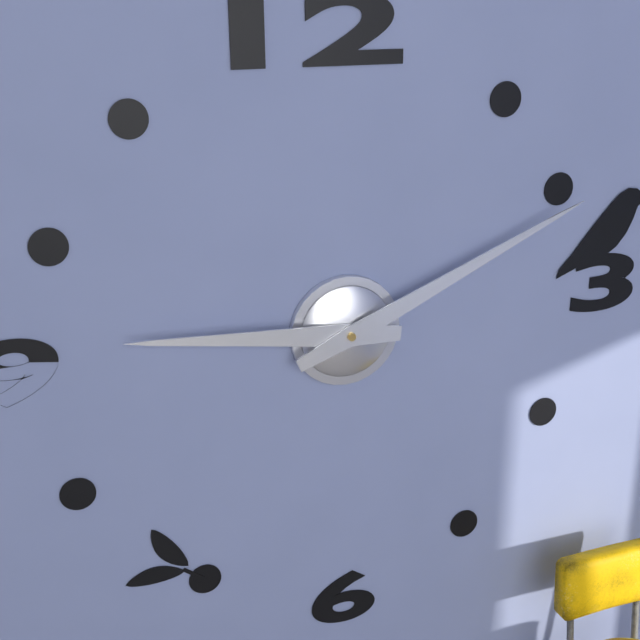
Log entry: 9:11
